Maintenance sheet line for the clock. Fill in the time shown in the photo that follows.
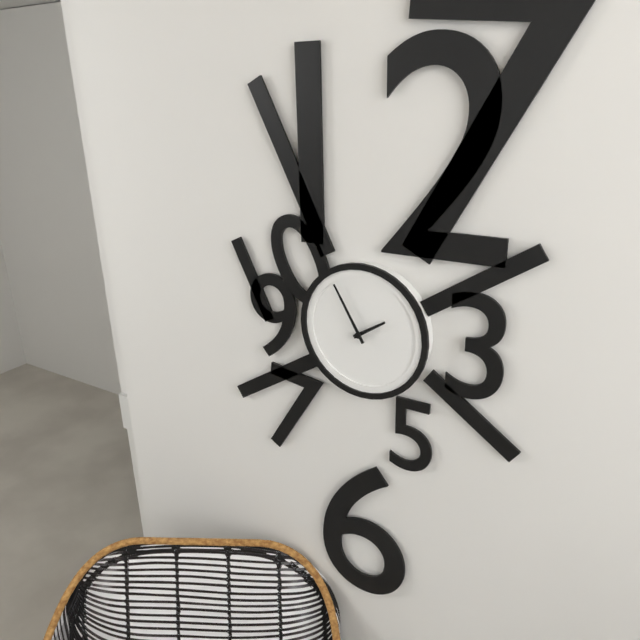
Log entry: 1:55
